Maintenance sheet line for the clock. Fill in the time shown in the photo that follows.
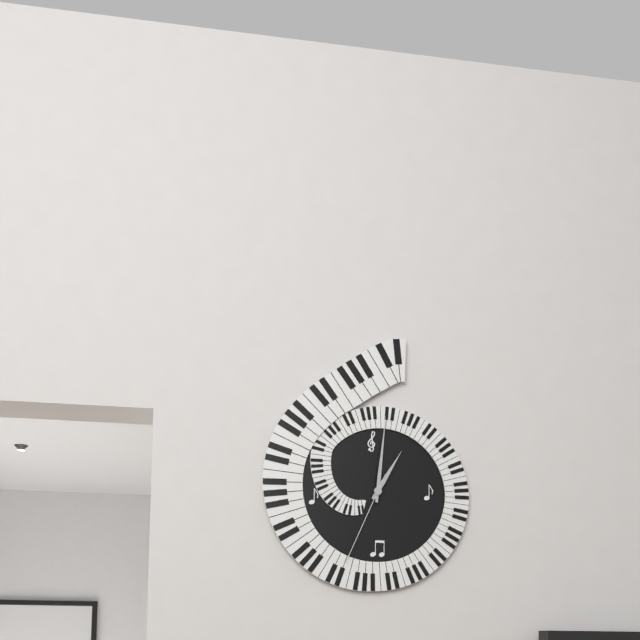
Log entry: 1:01:34
